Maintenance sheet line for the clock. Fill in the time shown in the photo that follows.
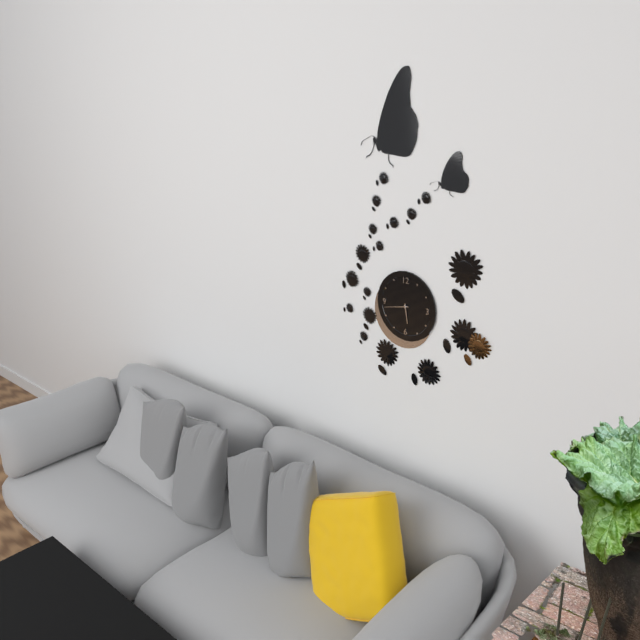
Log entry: 5:43
